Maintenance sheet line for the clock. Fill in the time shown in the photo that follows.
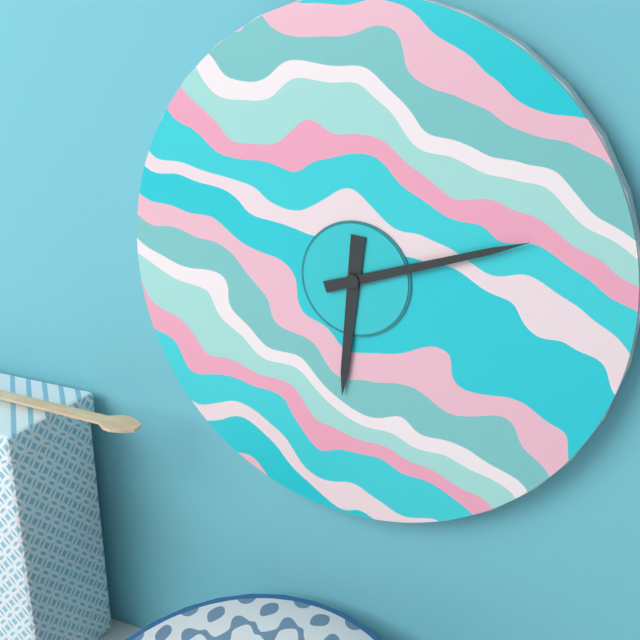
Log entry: 6:12
